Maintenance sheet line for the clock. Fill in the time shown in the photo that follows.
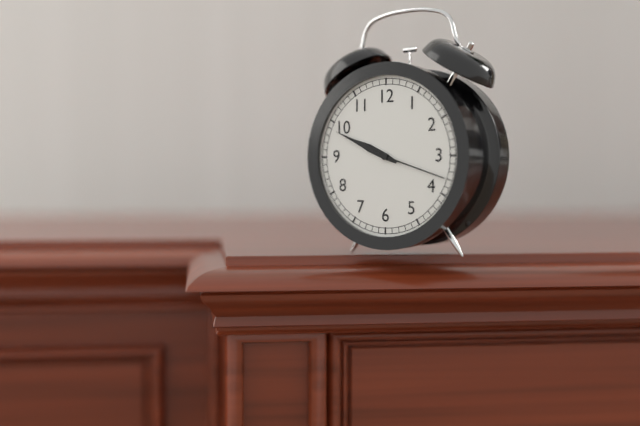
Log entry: 9:49:18
